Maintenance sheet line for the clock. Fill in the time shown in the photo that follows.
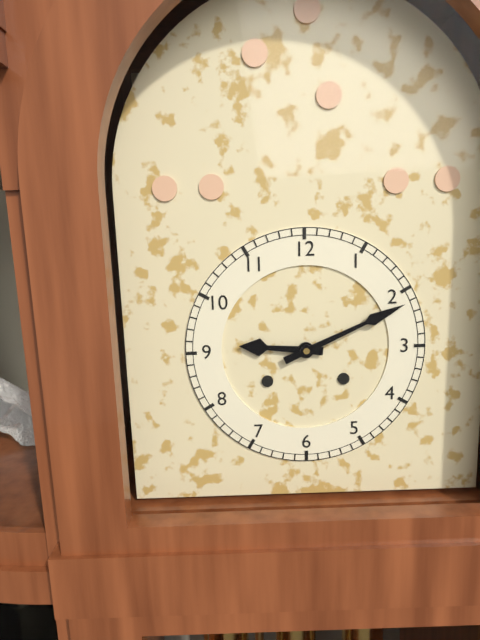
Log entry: 9:11
